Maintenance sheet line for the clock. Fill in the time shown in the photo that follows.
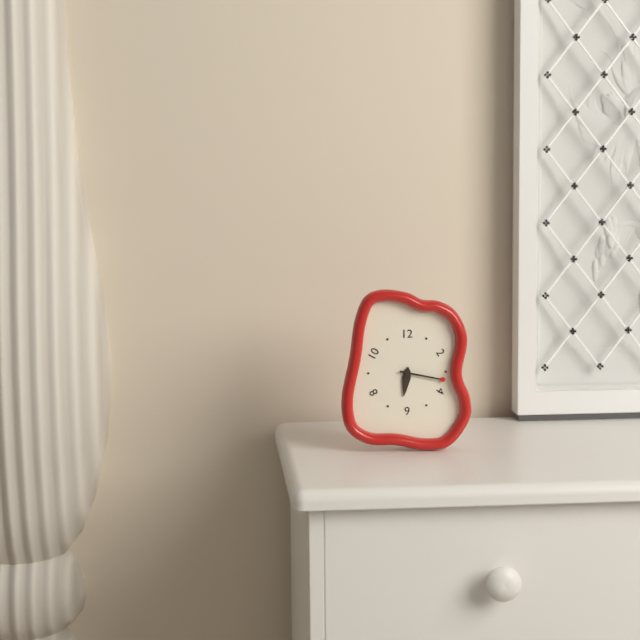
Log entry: 6:17
